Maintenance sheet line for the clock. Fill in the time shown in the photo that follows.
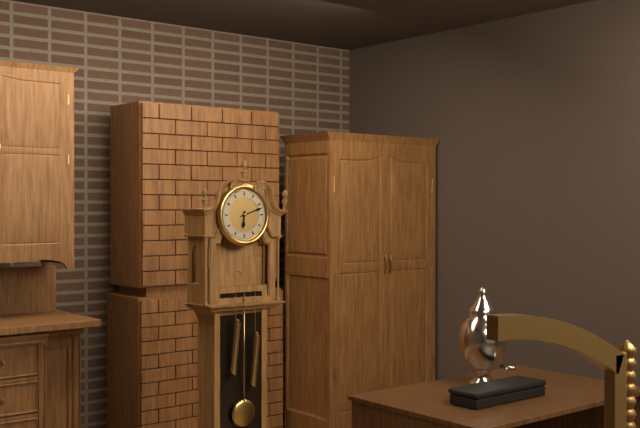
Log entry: 6:12
